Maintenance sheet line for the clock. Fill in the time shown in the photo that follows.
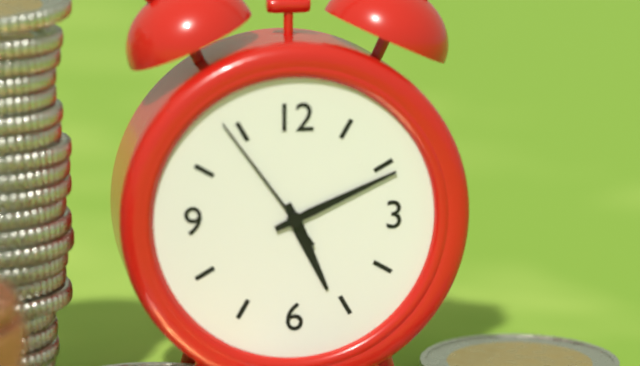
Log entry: 5:11:54
